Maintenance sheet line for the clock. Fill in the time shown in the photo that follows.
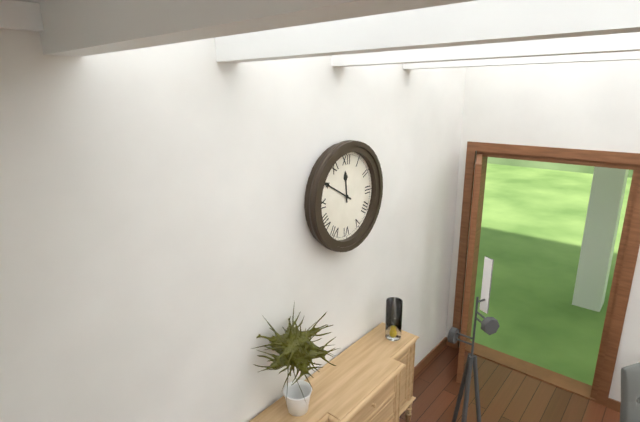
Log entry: 11:50
